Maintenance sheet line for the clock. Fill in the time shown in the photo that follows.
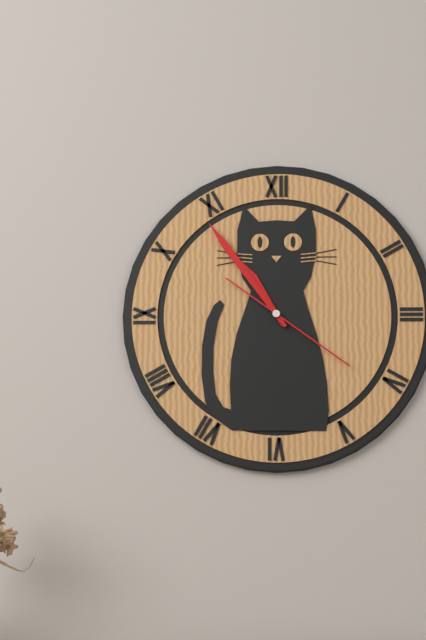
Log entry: 10:54:21
